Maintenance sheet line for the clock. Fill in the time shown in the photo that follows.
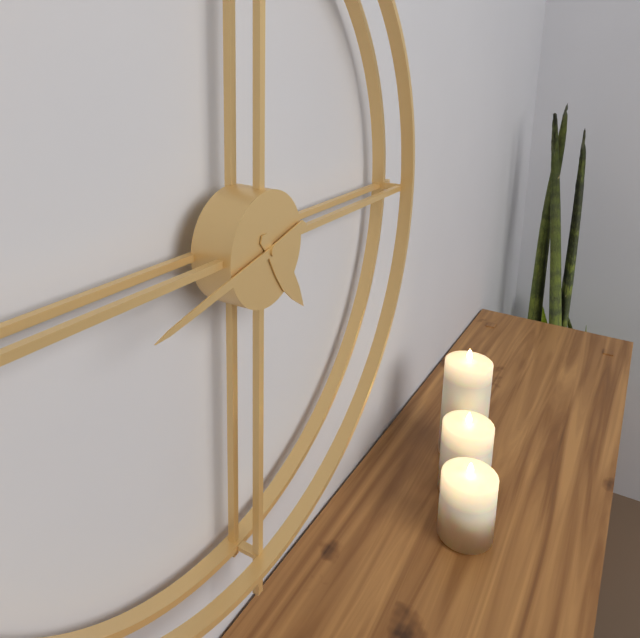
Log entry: 4:43
